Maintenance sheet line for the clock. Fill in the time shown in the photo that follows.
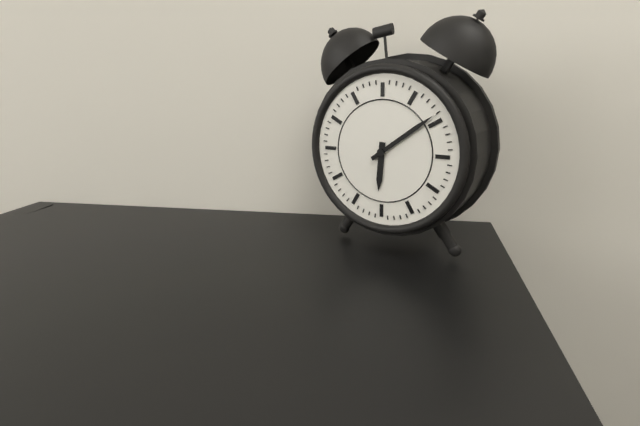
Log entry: 6:09
